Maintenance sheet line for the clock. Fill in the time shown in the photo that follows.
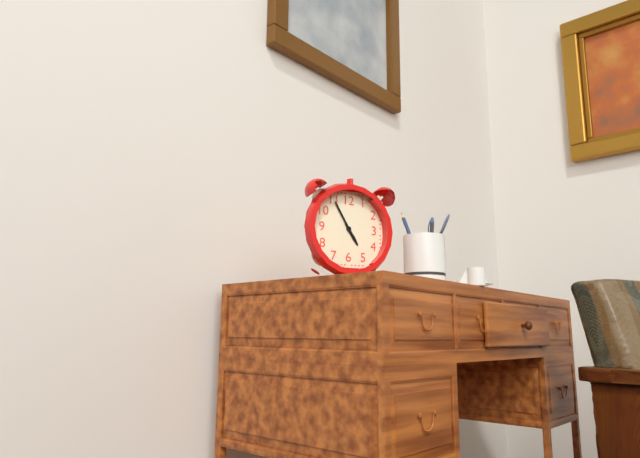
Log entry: 4:55
